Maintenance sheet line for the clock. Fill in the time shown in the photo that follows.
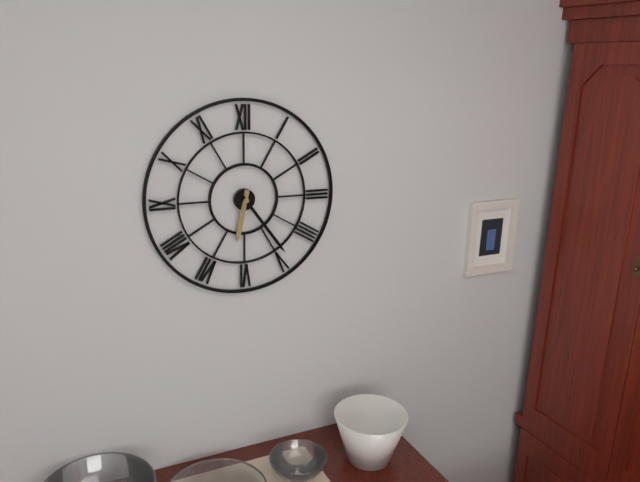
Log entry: 6:24
